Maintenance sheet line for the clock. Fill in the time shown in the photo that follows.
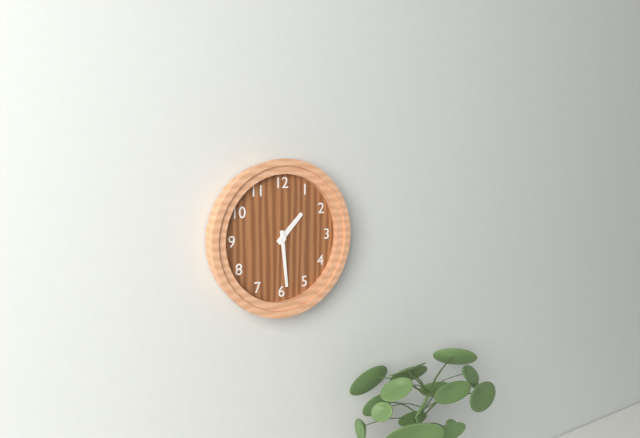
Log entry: 1:29
